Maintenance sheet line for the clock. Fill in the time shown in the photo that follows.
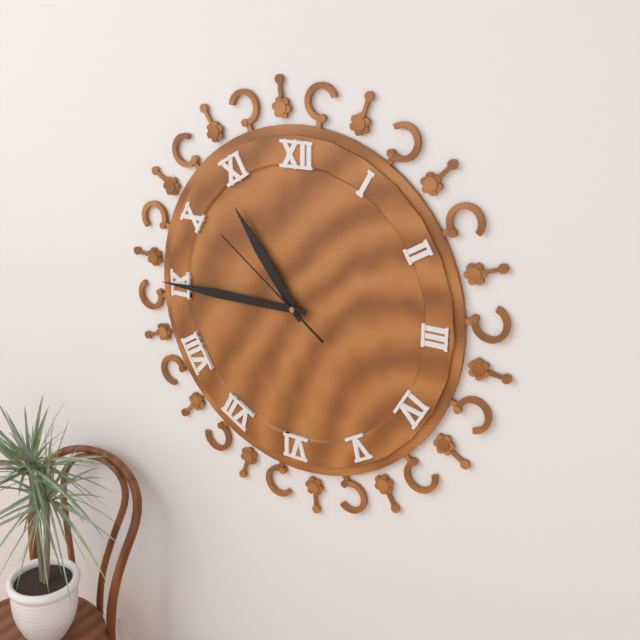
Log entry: 10:45:51
